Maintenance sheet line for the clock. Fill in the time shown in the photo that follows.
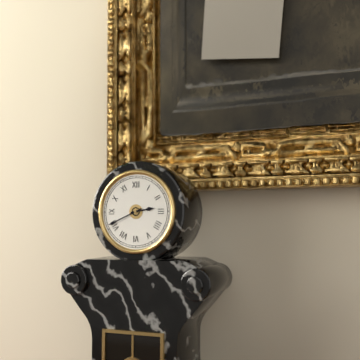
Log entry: 2:41
